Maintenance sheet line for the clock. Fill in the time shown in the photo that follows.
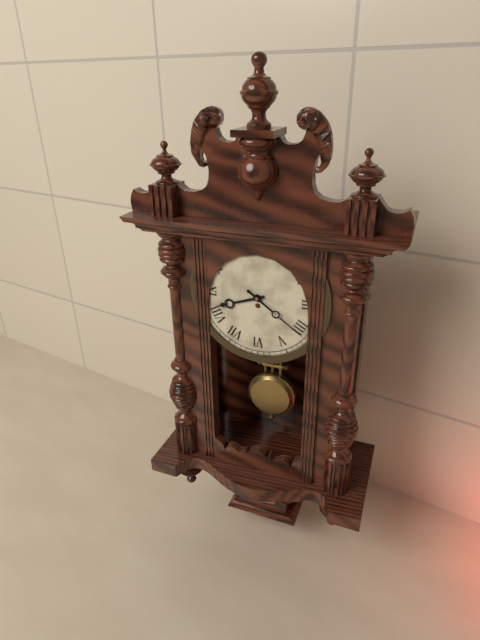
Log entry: 8:21
